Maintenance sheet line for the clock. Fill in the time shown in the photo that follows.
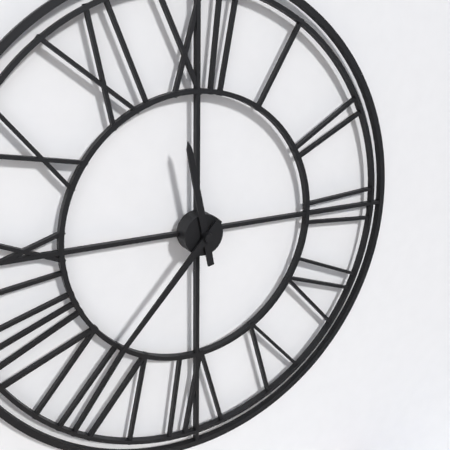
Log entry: 11:37
